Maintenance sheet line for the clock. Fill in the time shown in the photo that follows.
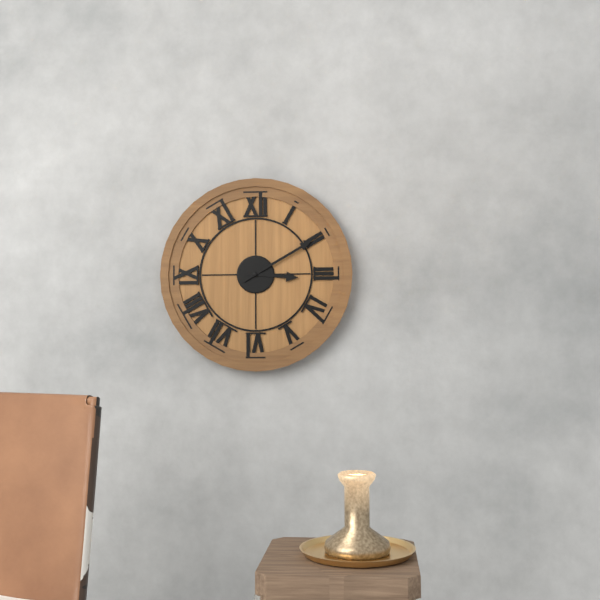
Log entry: 3:10
